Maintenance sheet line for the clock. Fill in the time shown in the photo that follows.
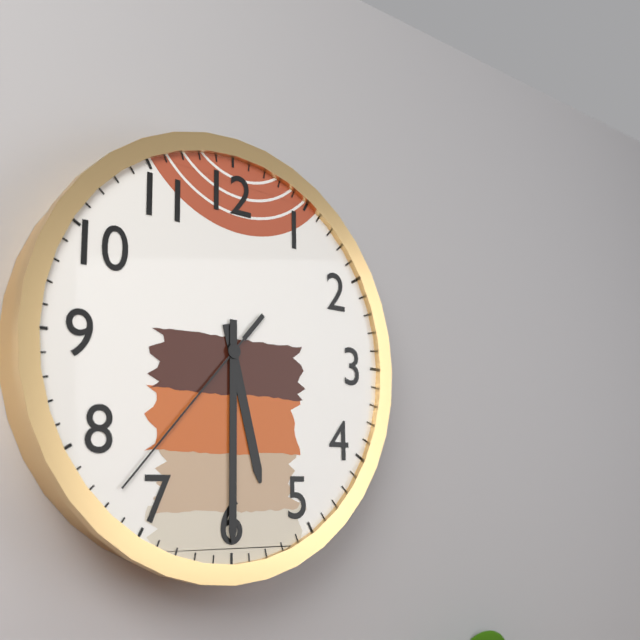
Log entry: 5:30:37
